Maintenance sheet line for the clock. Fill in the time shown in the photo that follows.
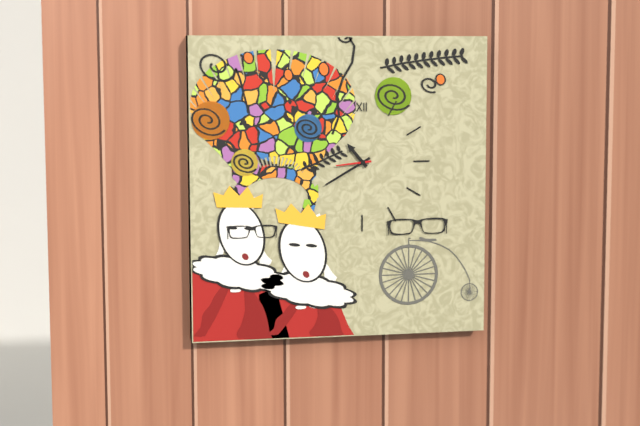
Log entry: 10:40
